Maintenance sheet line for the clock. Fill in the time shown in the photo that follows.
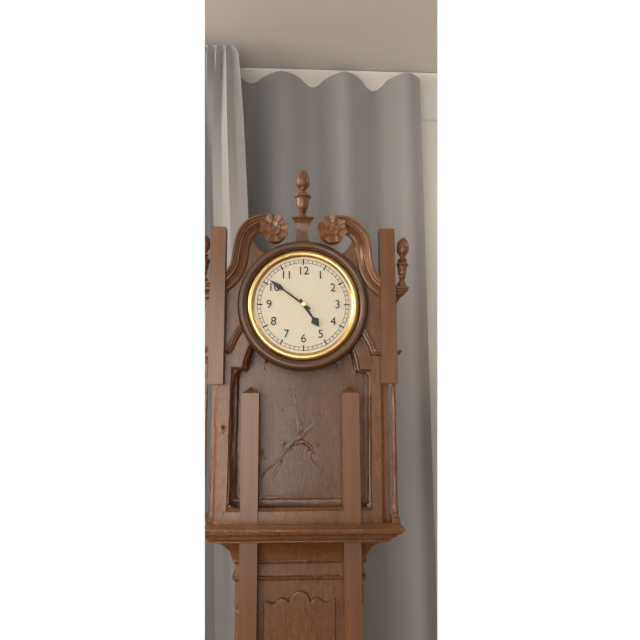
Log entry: 4:51
